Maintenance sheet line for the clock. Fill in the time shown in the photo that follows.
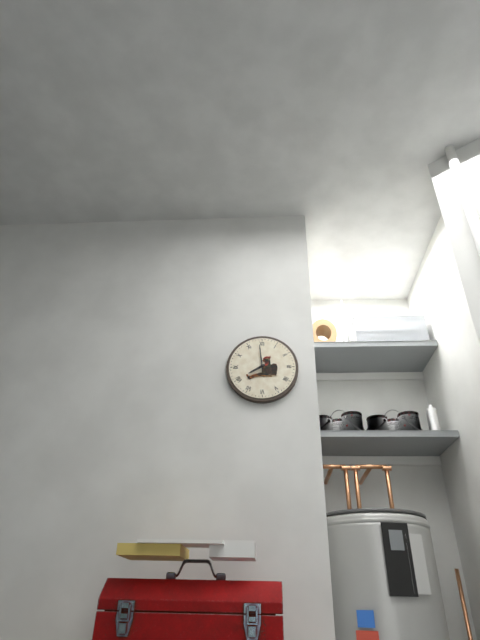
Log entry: 7:59
